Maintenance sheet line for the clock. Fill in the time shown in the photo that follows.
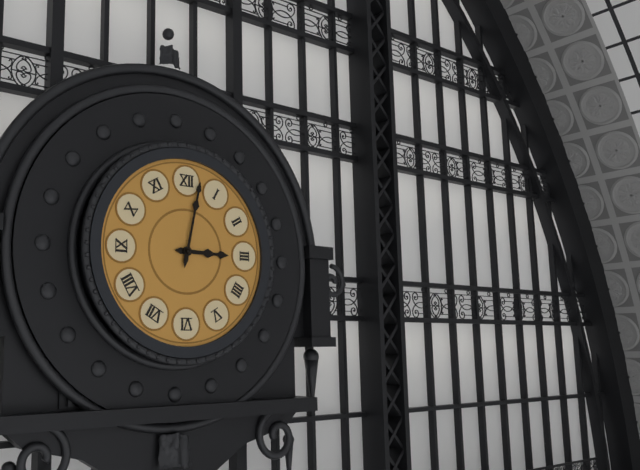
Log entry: 3:02
